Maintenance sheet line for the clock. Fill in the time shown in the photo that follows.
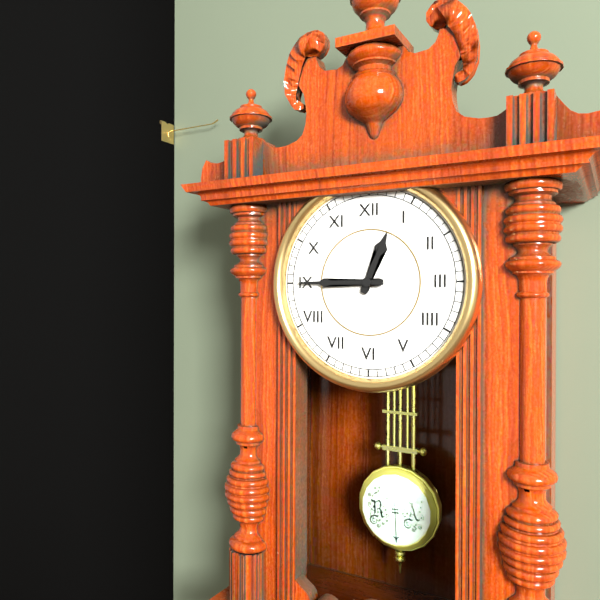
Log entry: 12:45
